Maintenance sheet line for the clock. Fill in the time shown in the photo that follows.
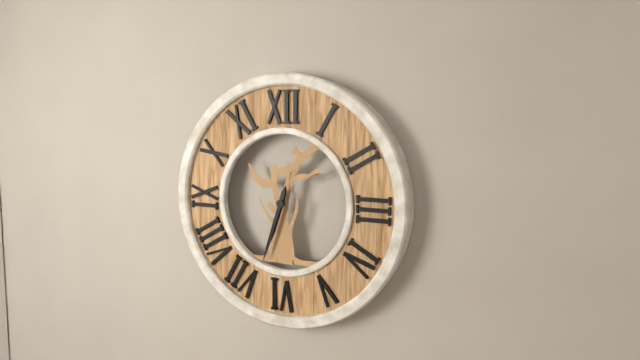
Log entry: 6:33
